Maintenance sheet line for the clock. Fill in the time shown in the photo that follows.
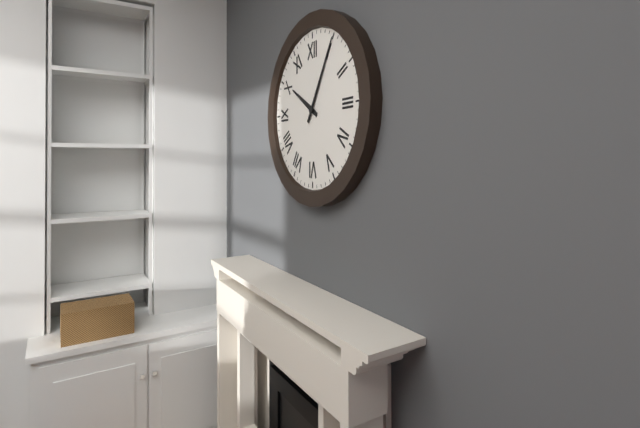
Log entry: 10:05
